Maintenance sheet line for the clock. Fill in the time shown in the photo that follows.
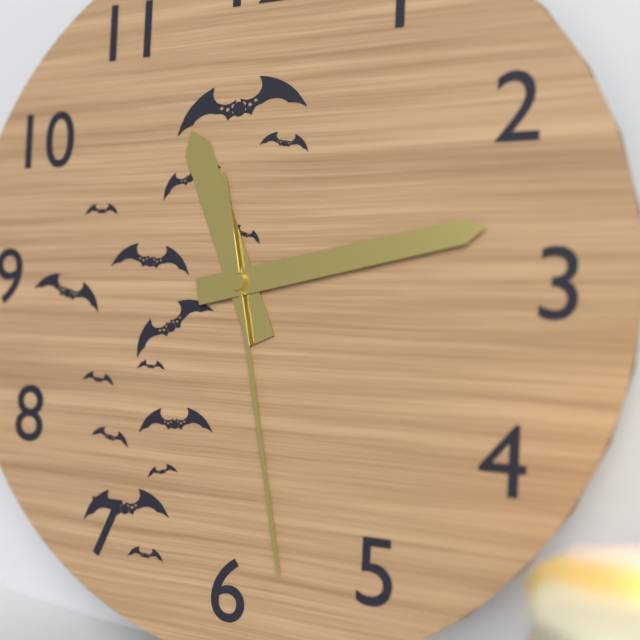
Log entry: 11:13:28
